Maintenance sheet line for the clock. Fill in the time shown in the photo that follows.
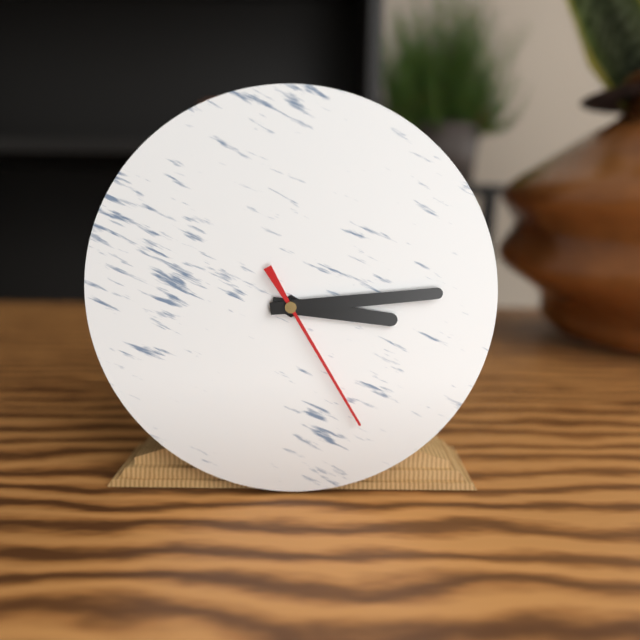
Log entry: 3:14:25
